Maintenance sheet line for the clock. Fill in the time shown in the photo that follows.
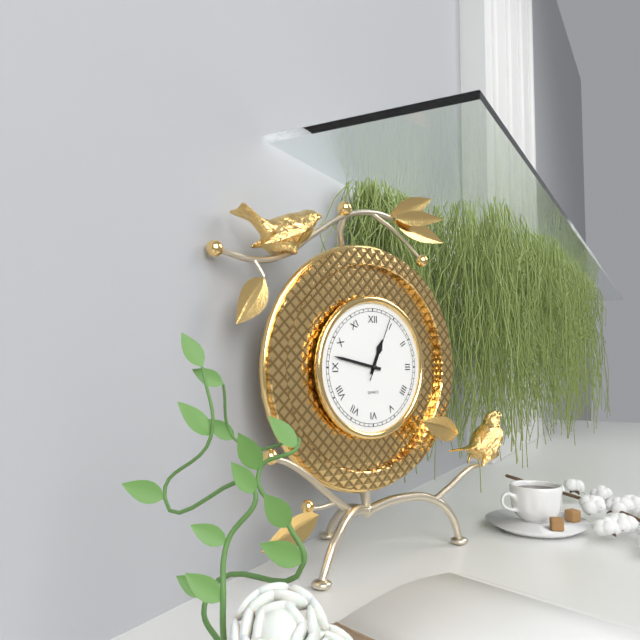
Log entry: 12:47:04
